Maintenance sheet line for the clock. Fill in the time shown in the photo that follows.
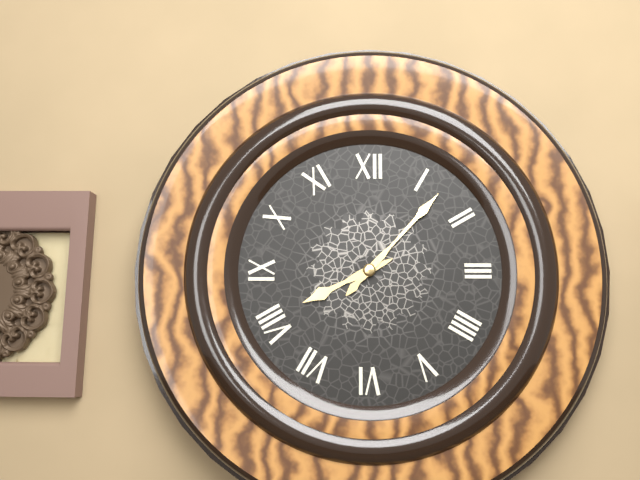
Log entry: 8:07
